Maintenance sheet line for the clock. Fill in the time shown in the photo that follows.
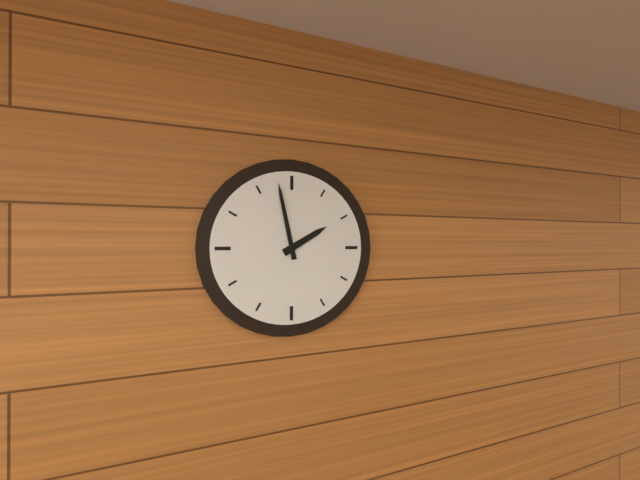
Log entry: 1:58
